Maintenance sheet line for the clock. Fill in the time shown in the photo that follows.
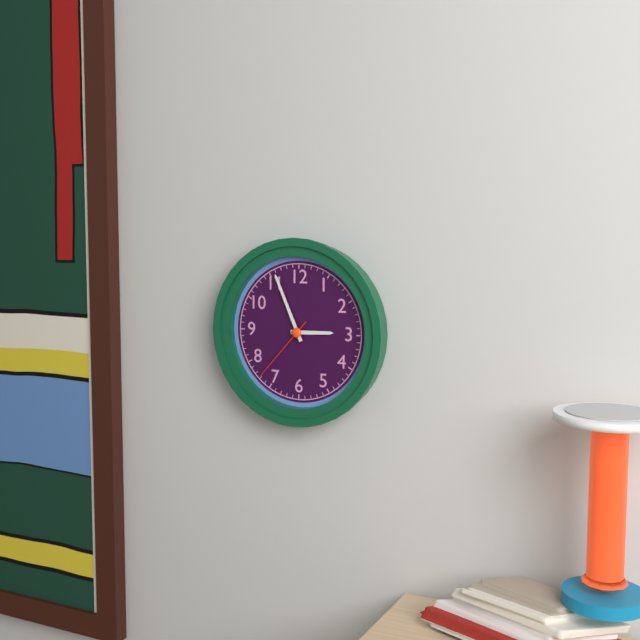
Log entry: 2:56:37
